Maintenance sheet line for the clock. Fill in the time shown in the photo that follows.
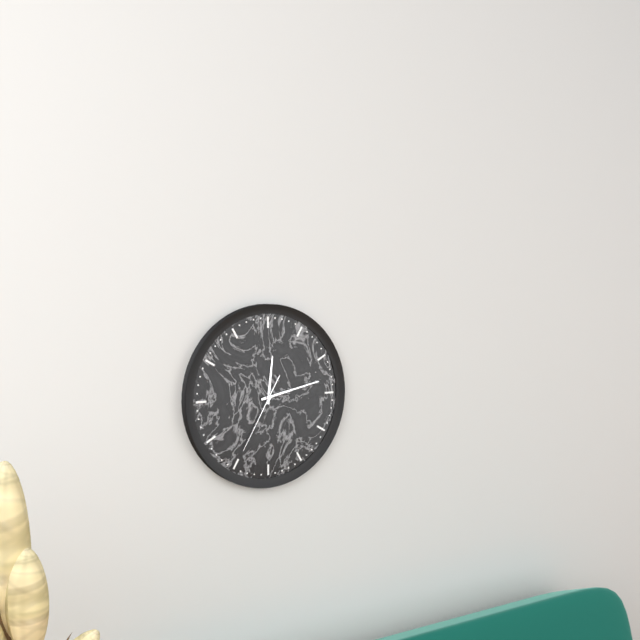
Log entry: 12:13:35
